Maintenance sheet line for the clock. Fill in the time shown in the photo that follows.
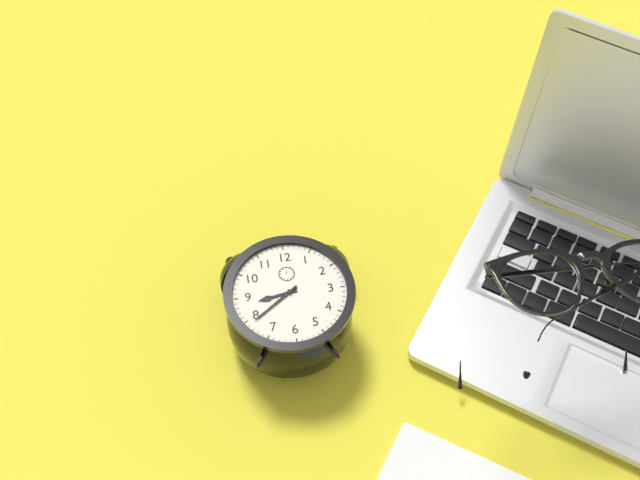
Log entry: 8:39
